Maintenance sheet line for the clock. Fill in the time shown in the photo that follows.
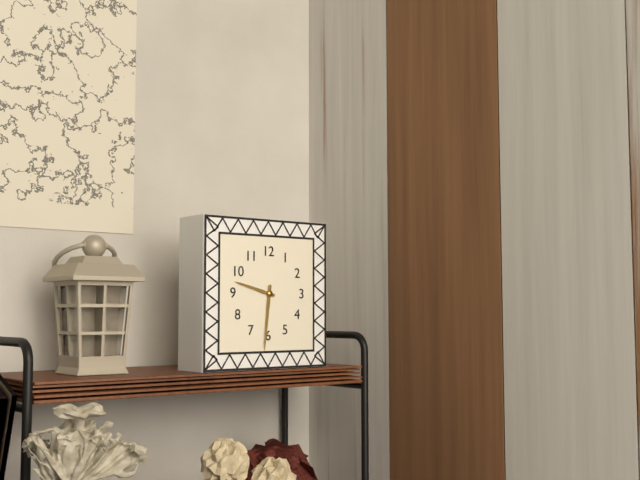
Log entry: 9:31
